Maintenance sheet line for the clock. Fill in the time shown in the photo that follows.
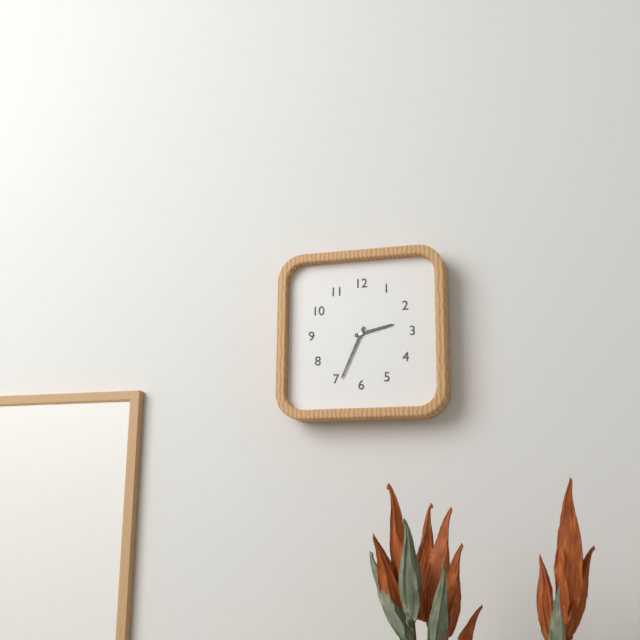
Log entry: 2:34
